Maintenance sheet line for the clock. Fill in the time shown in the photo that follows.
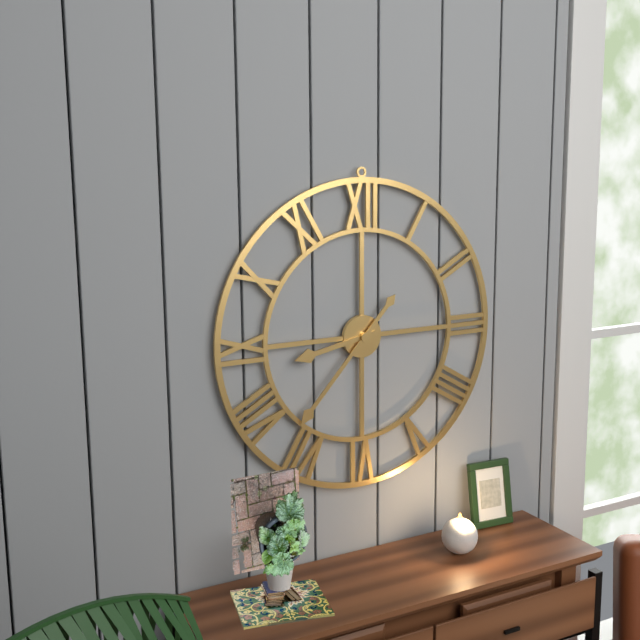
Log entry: 8:37
